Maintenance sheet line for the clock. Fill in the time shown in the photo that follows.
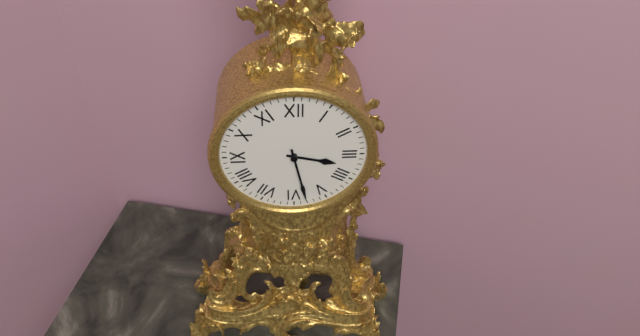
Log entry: 3:28
